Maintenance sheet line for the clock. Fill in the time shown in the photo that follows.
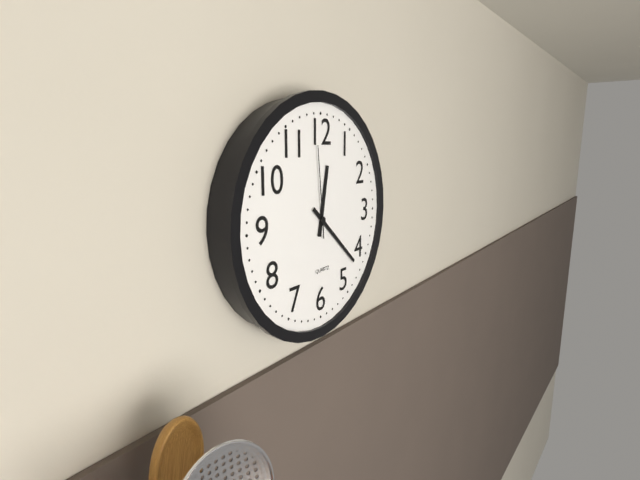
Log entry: 12:22:59
